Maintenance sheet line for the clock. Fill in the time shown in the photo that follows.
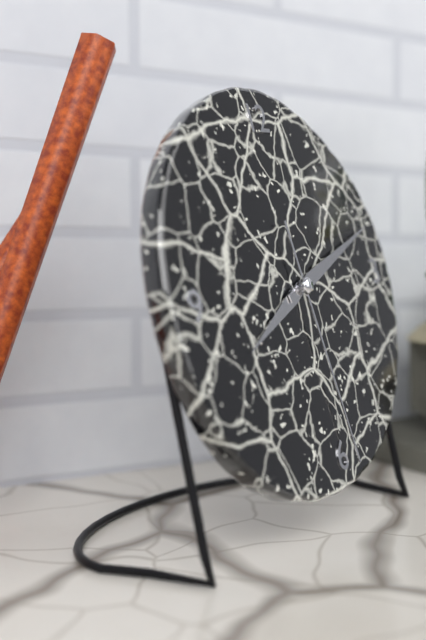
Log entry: 8:12:29
